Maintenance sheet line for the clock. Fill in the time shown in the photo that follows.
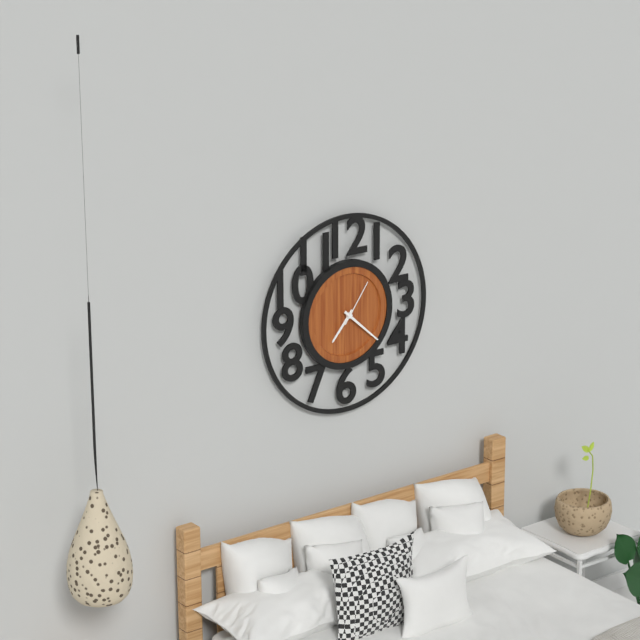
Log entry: 7:22
